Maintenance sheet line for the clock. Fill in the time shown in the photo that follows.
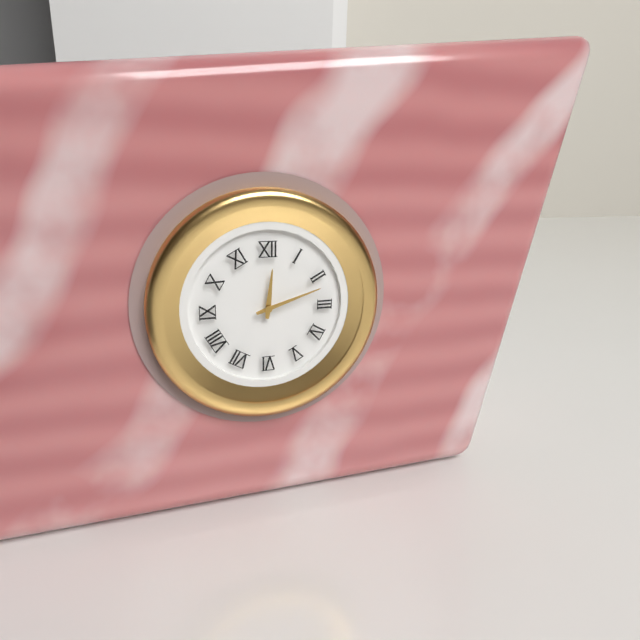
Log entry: 12:12
